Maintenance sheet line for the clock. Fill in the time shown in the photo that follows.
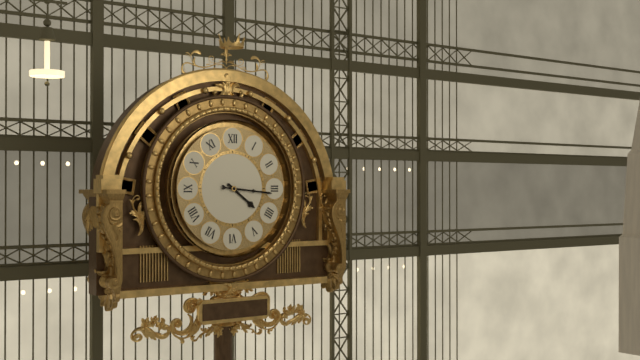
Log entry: 4:16
